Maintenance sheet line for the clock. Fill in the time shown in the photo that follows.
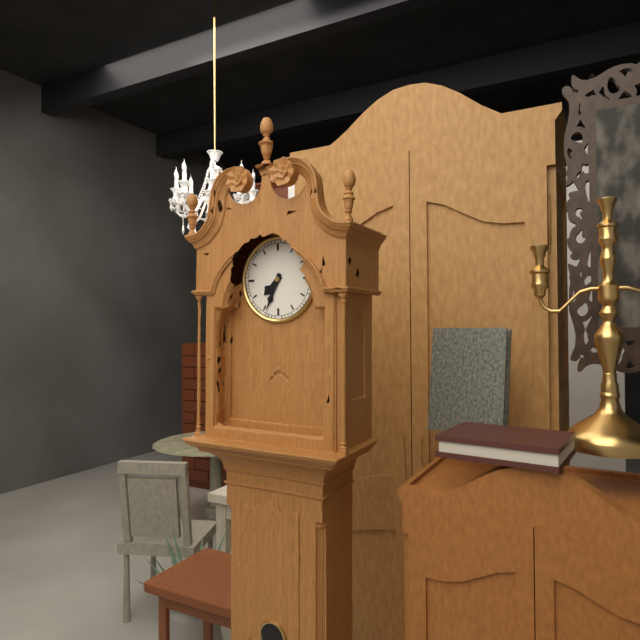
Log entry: 7:34
